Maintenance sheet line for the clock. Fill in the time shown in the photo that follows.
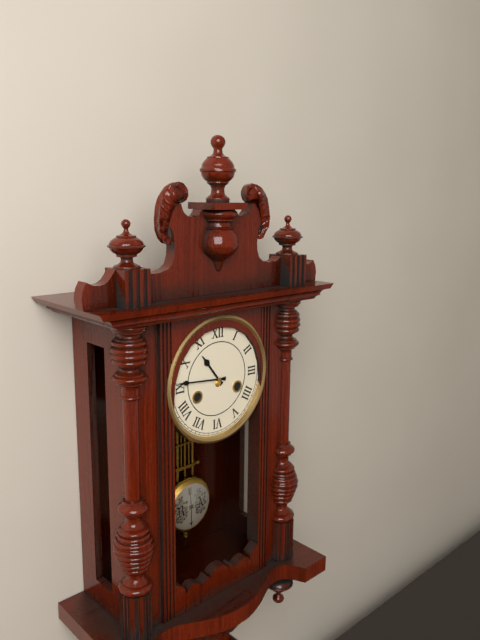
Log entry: 10:46
